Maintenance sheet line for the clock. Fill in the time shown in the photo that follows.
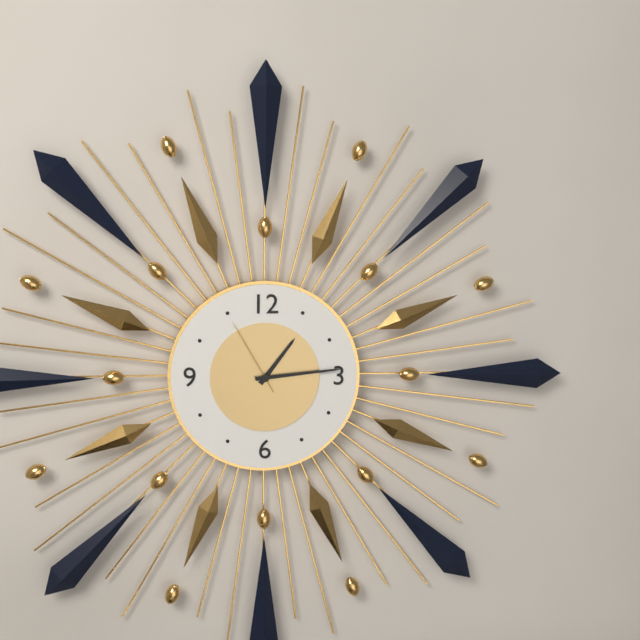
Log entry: 1:14:55
